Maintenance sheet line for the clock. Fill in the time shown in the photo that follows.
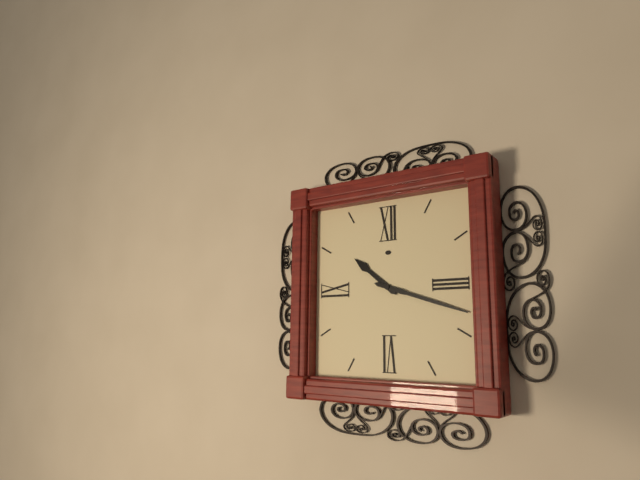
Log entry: 10:18
